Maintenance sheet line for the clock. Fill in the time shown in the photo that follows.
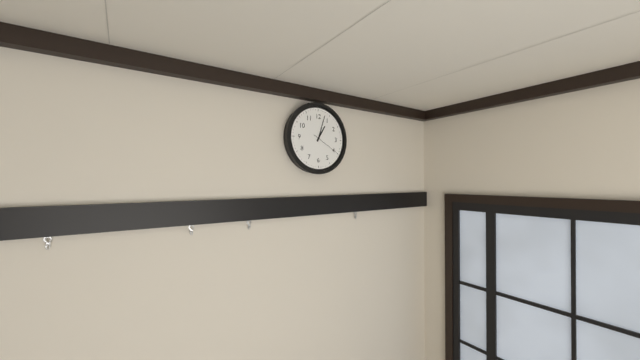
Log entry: 1:03
